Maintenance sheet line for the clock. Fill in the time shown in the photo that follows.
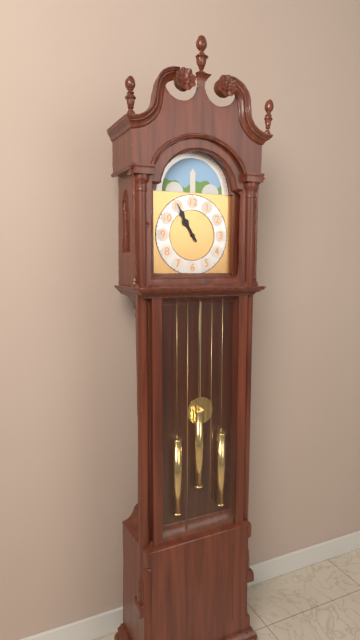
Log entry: 10:55
